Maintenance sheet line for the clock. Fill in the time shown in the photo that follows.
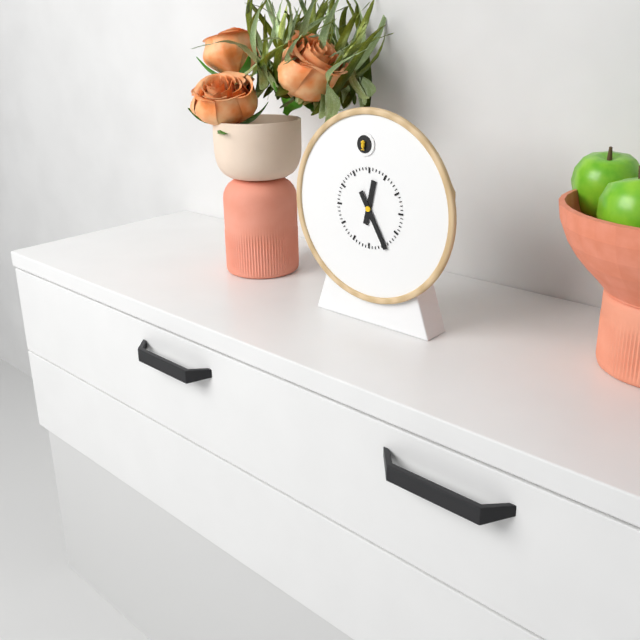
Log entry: 12:25
